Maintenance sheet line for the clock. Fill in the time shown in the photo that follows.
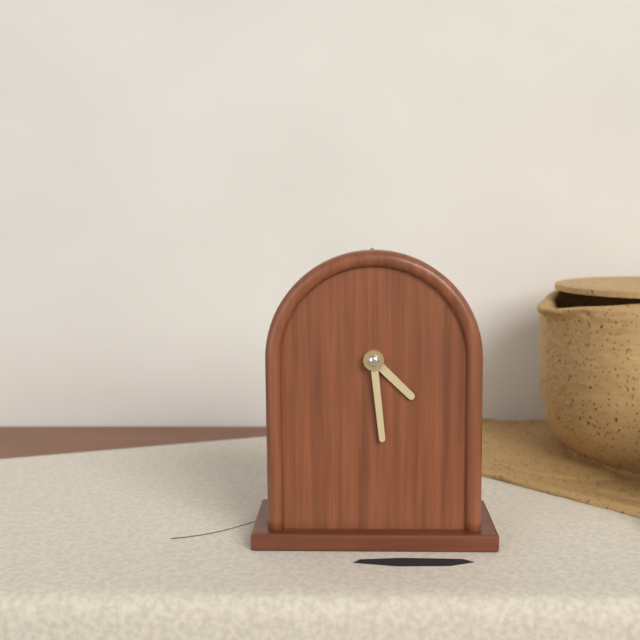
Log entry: 4:29
